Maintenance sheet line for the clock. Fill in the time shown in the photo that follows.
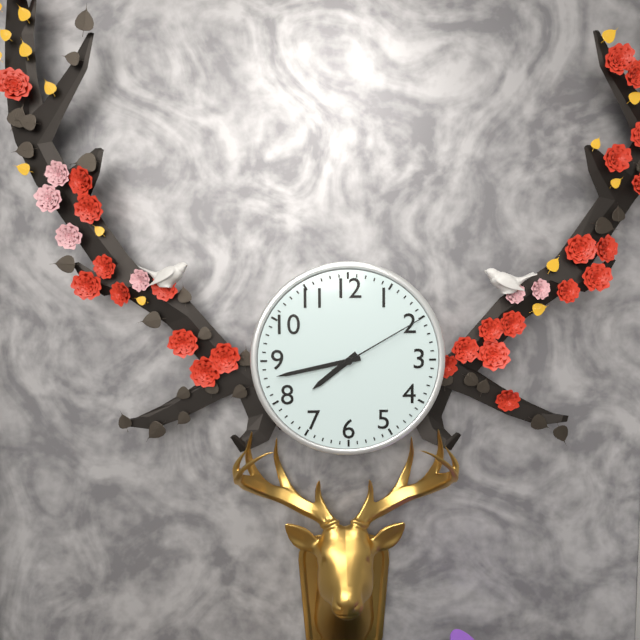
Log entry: 7:43:10
